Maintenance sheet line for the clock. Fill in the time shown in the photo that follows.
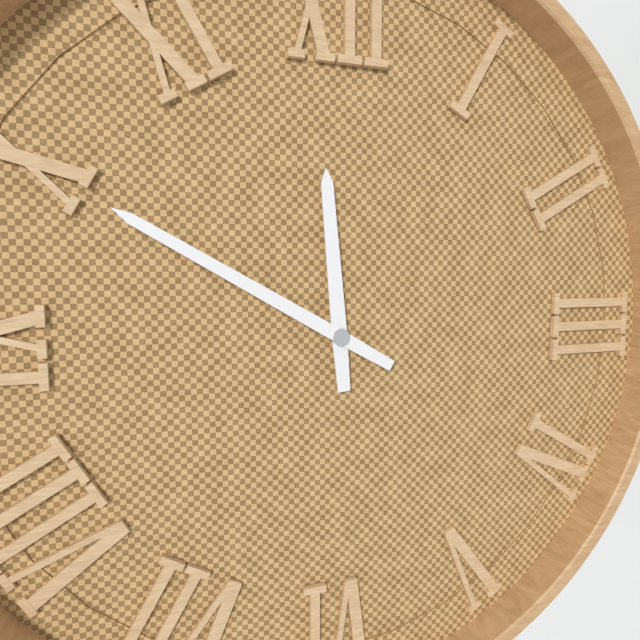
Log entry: 11:50
